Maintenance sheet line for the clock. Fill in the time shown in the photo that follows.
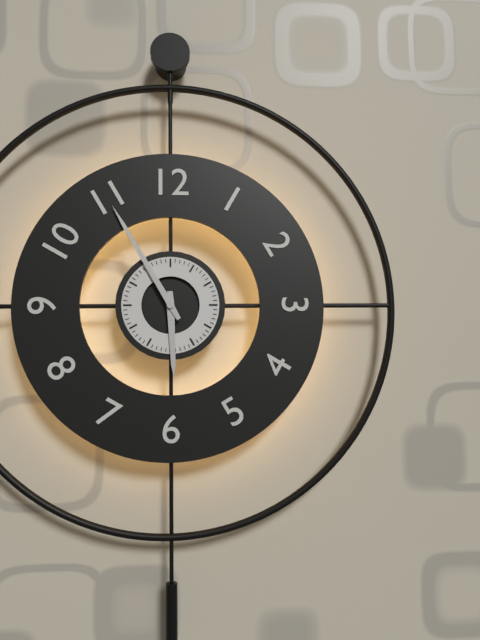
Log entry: 5:55
